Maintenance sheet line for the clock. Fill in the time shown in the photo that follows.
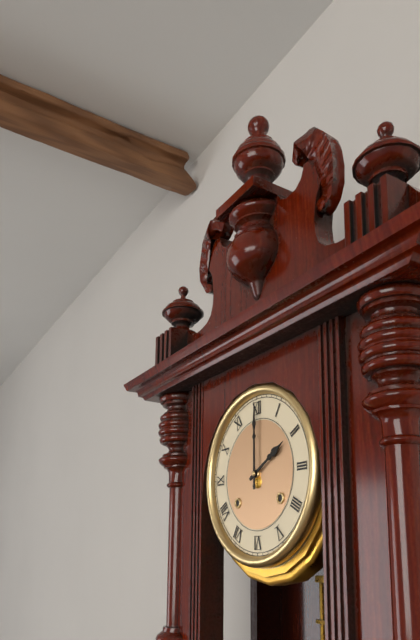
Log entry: 2:00
